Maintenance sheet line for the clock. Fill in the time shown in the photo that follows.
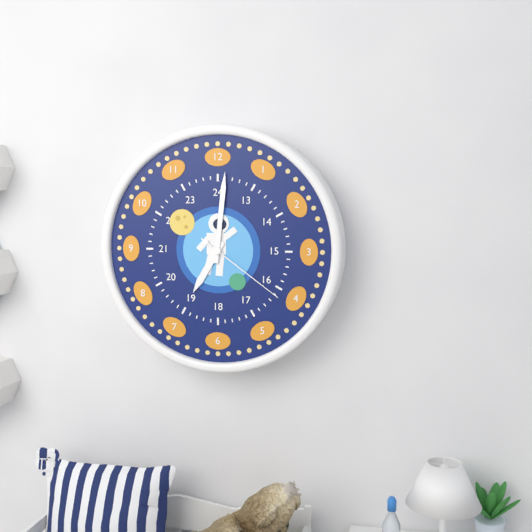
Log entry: 7:01:21
